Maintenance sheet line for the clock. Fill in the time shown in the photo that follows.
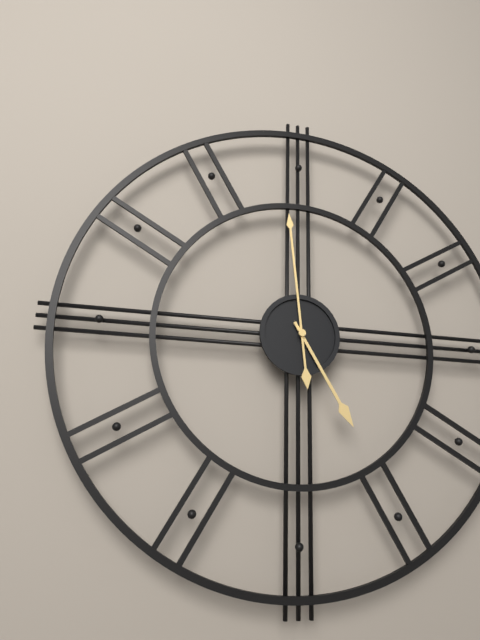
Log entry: 4:59
